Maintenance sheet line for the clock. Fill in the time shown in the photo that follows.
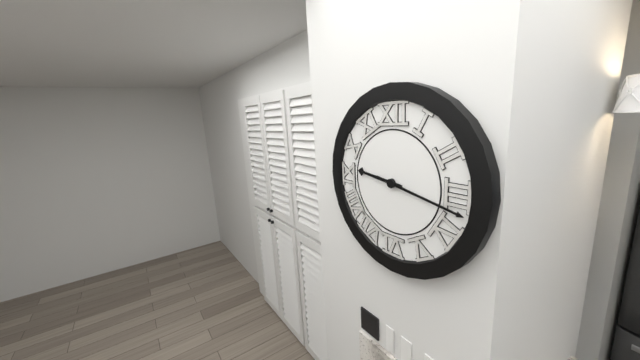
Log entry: 9:17
